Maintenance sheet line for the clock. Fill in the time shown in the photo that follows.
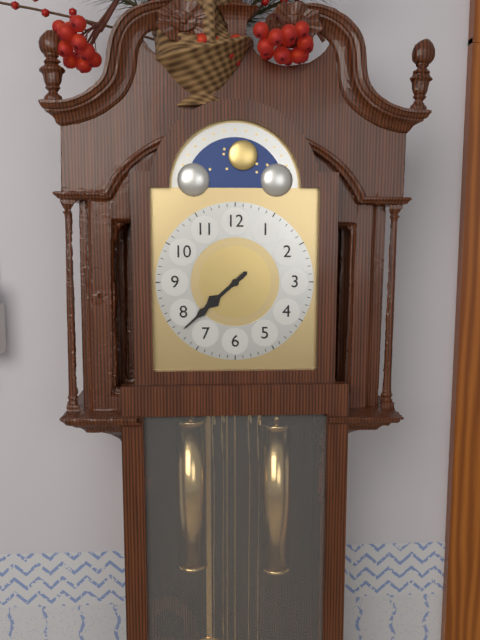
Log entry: 7:38
